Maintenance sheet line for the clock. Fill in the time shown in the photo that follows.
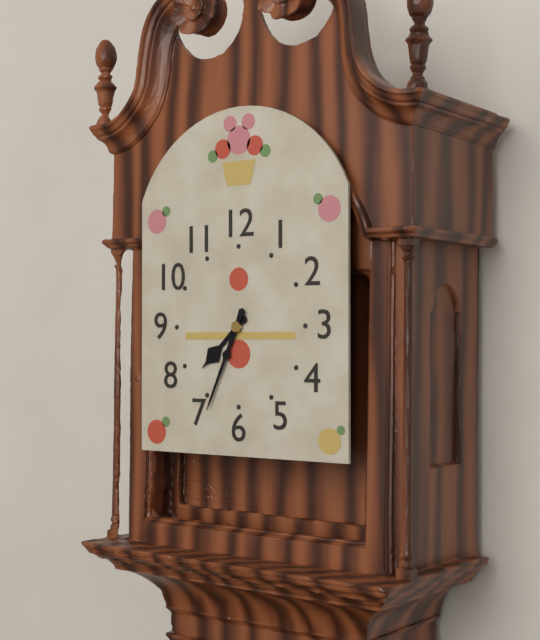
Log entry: 7:34
